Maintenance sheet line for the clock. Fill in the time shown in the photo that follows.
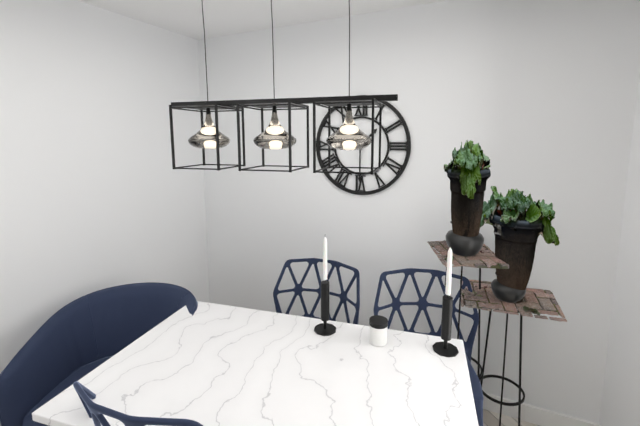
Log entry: 1:30
